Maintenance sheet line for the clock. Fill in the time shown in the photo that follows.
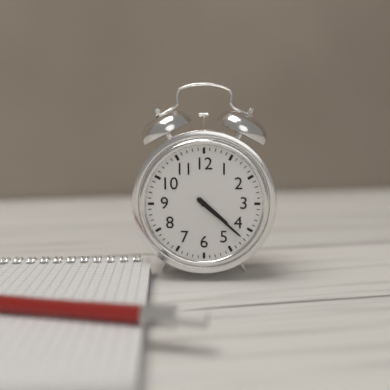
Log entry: 4:22
